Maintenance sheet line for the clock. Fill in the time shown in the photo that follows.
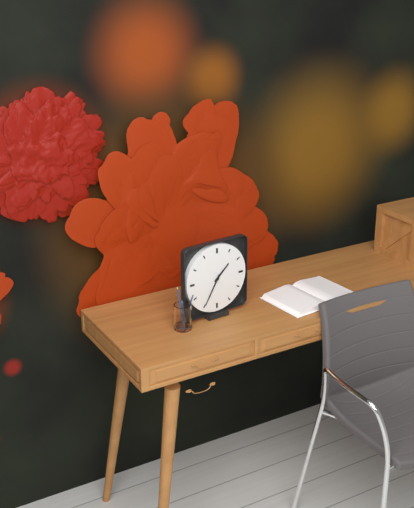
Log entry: 1:35
